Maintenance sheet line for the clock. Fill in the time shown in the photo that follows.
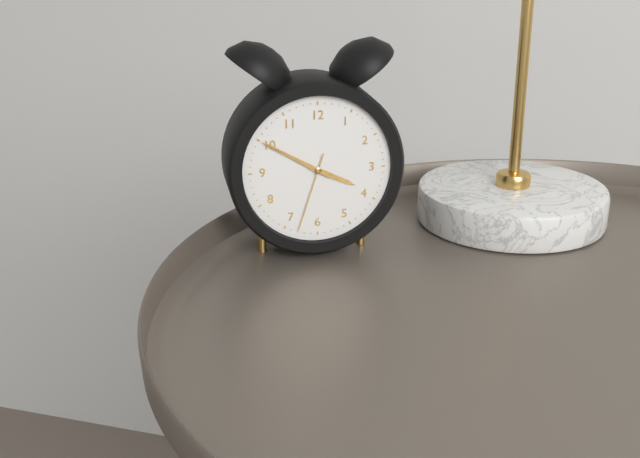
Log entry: 3:50:33
